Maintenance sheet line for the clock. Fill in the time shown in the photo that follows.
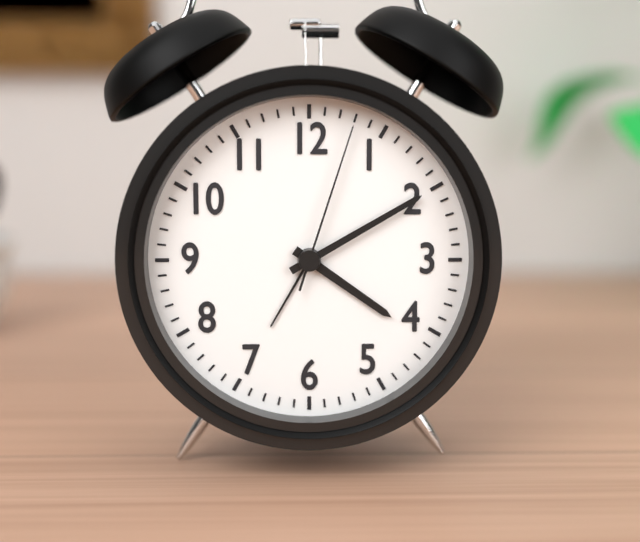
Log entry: 4:10:03
